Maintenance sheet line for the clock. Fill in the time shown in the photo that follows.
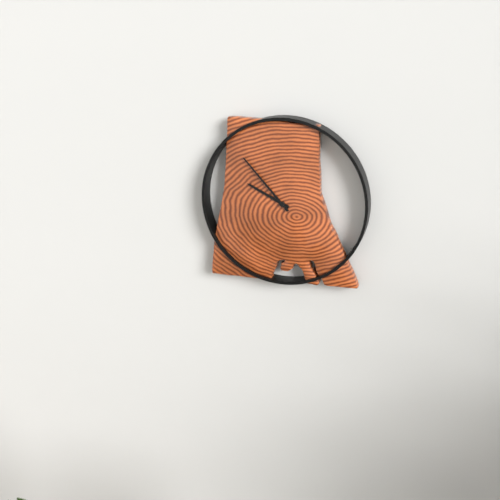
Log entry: 9:53
